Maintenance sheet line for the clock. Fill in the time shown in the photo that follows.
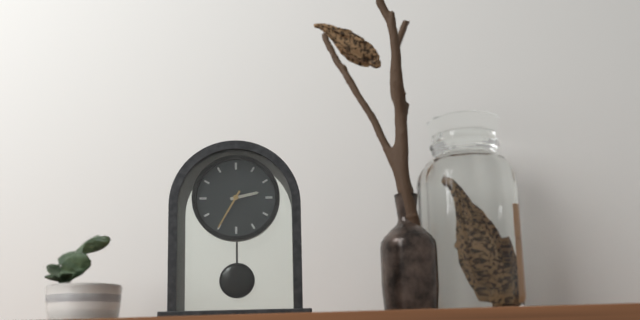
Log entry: 2:35
